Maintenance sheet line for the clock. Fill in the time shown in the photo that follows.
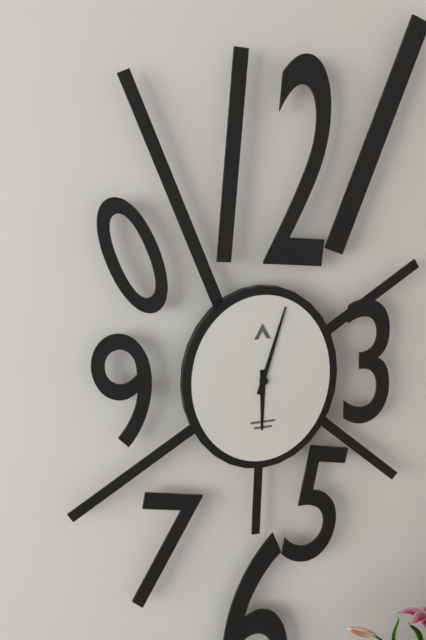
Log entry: 6:03
